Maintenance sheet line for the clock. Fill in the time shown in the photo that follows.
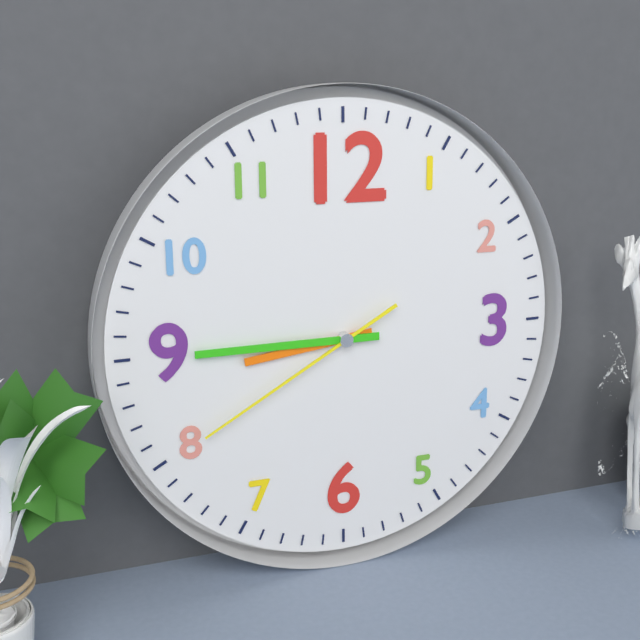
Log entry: 8:45:40
